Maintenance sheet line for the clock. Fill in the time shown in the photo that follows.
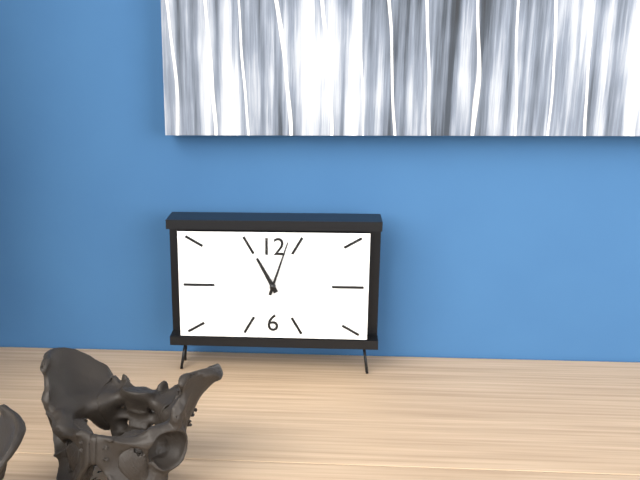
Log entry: 11:03
